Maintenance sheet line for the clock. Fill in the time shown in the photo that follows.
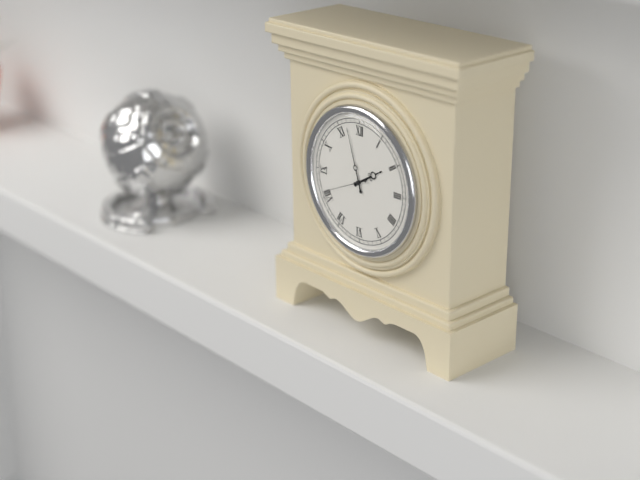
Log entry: 1:57
